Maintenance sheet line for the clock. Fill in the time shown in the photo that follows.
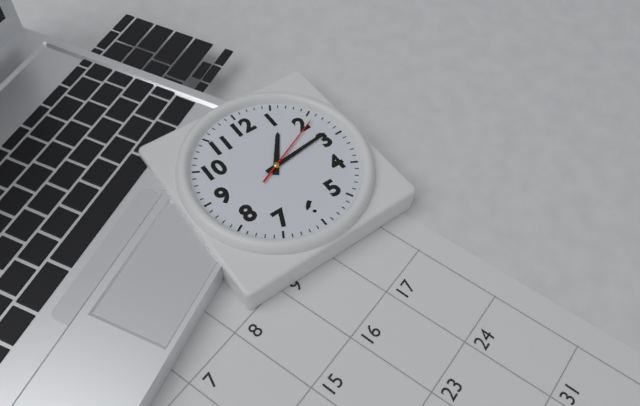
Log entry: 1:14:11
